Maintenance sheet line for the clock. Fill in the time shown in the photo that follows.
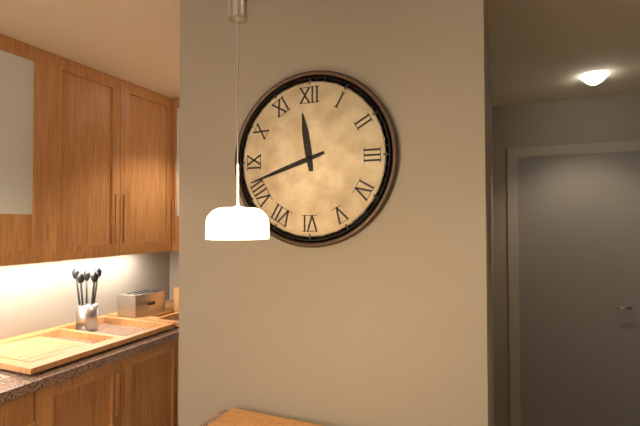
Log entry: 11:42
